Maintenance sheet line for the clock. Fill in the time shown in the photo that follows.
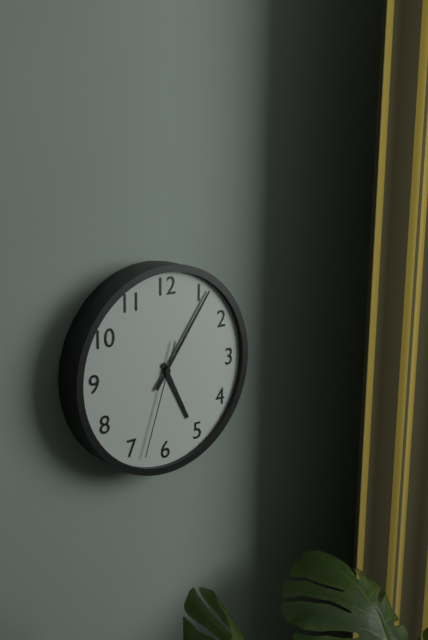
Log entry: 5:06:33
